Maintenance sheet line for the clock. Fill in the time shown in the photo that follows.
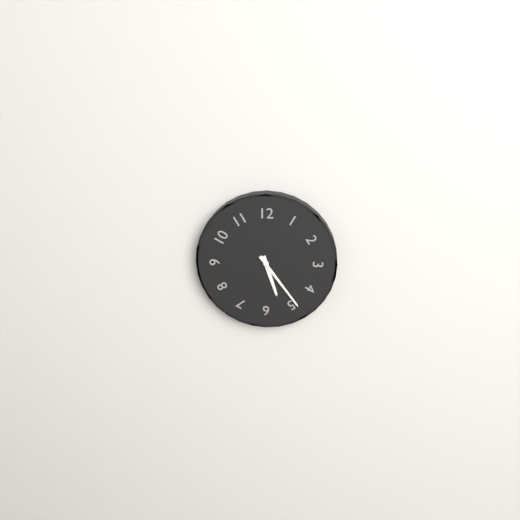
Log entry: 5:24
